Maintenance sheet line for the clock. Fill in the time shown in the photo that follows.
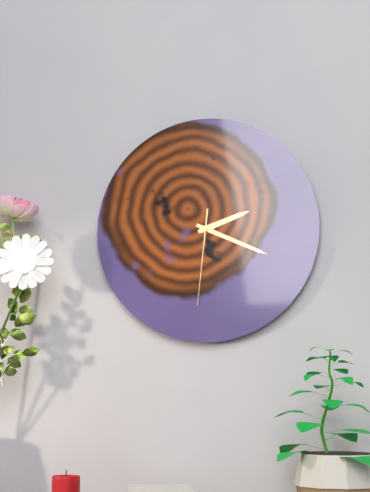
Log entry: 2:19:31
